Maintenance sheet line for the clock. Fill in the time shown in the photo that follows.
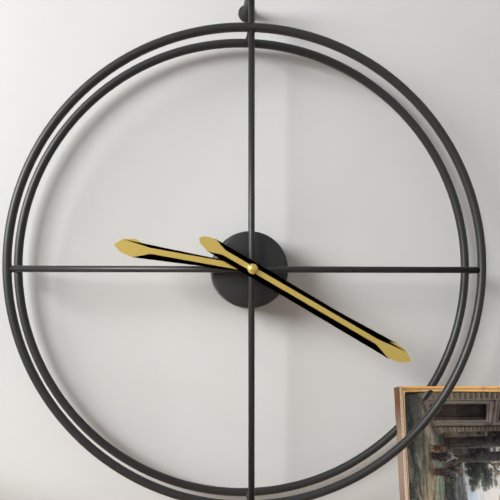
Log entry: 9:20
